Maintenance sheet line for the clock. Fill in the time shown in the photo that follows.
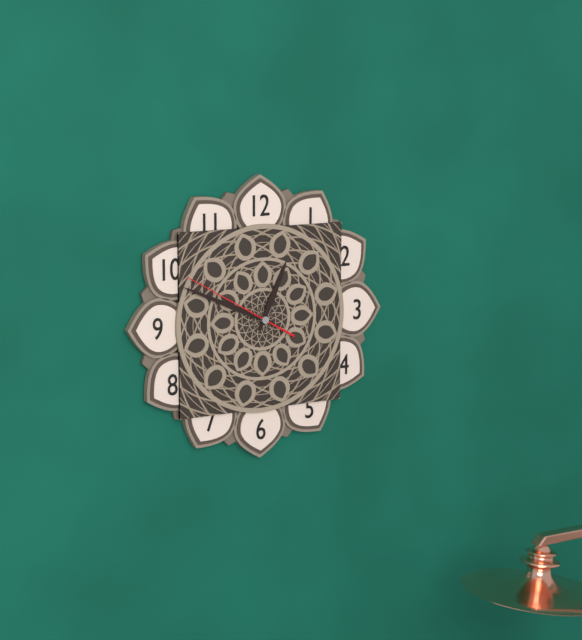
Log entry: 12:49:50
